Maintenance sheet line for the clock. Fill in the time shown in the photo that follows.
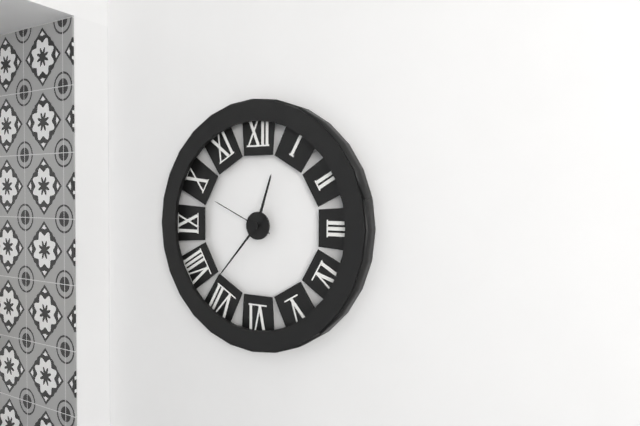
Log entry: 12:37:49
